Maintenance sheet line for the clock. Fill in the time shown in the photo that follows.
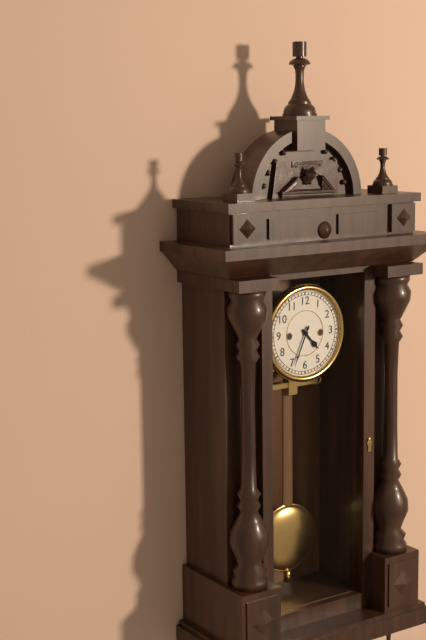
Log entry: 4:34
